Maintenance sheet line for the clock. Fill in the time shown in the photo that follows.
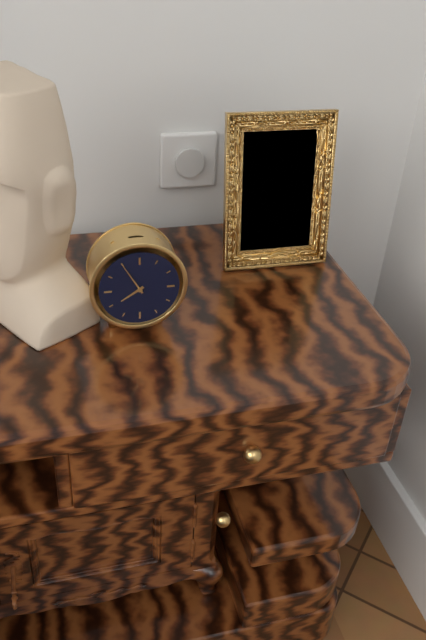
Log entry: 7:55
